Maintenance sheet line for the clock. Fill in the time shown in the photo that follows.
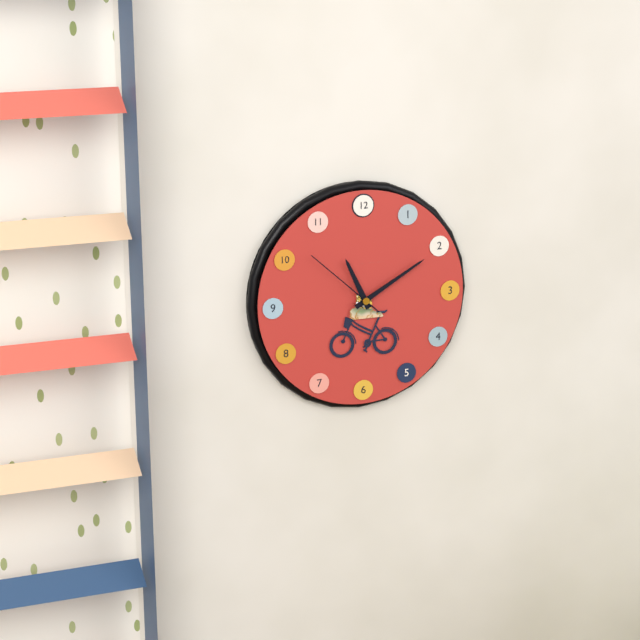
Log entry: 11:10:52
